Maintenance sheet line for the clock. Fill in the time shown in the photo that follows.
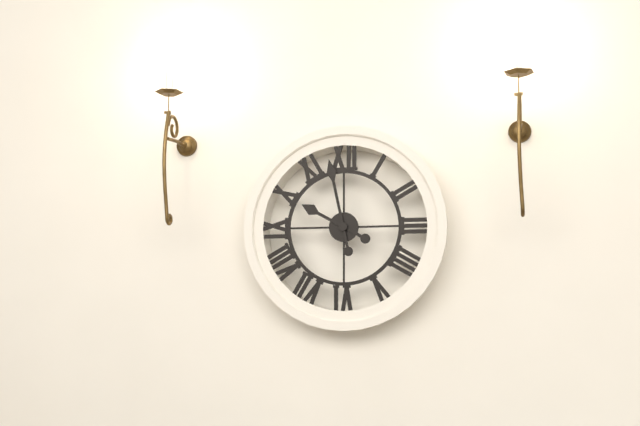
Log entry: 9:58
